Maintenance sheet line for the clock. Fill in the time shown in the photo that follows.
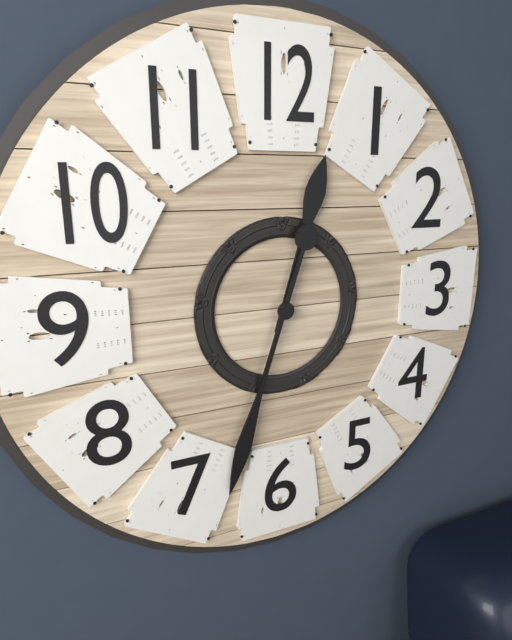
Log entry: 12:33
